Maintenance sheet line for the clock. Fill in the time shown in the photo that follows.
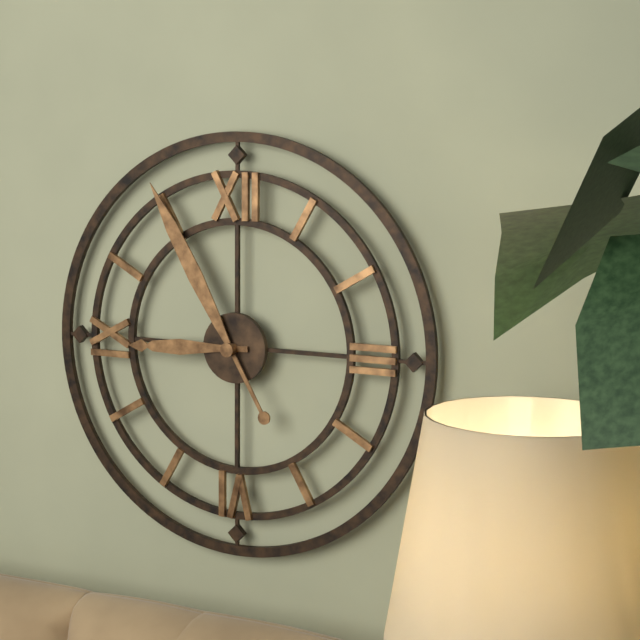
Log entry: 8:55
